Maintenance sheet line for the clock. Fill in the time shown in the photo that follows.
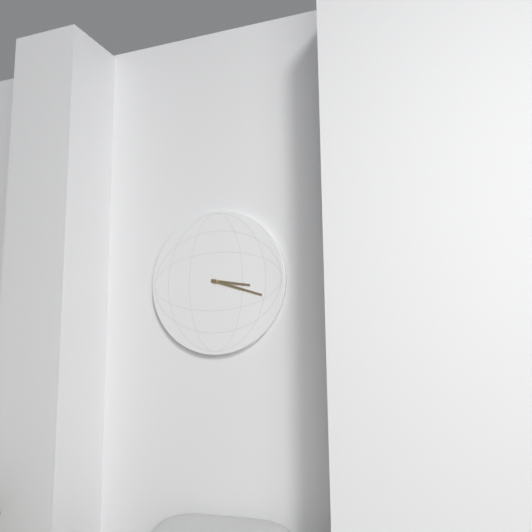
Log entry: 3:18
